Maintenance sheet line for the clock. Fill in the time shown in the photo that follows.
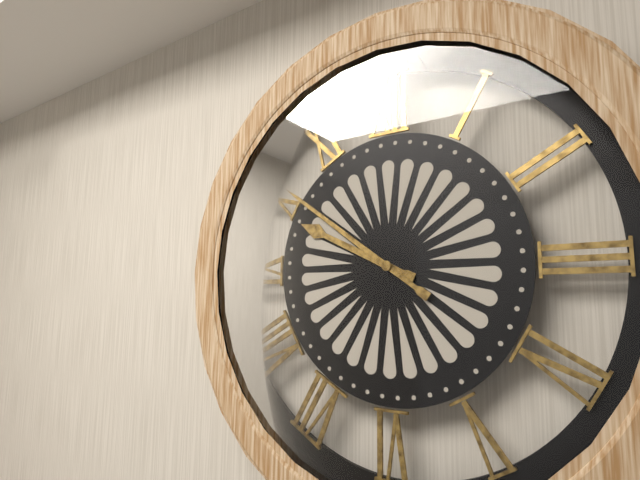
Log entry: 9:51
